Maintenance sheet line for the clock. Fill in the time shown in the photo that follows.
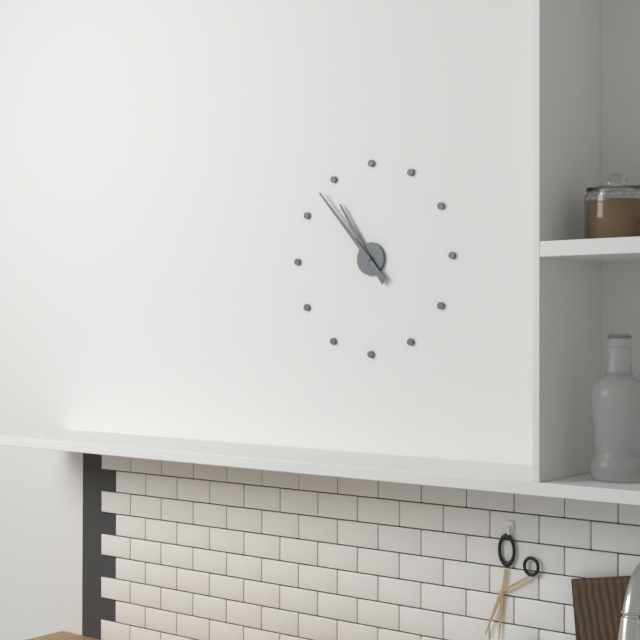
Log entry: 10:53
